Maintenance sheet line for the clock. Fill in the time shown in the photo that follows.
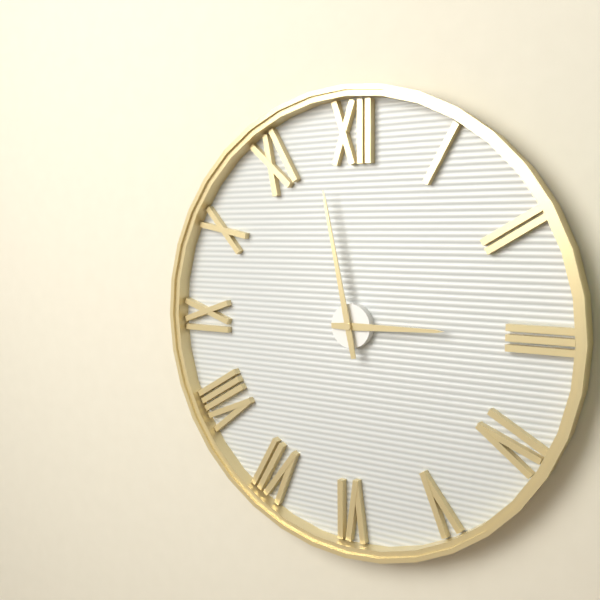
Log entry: 2:58
